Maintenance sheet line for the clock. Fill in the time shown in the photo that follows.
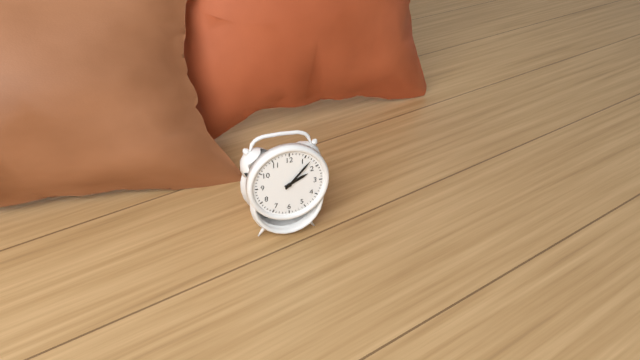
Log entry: 2:07
